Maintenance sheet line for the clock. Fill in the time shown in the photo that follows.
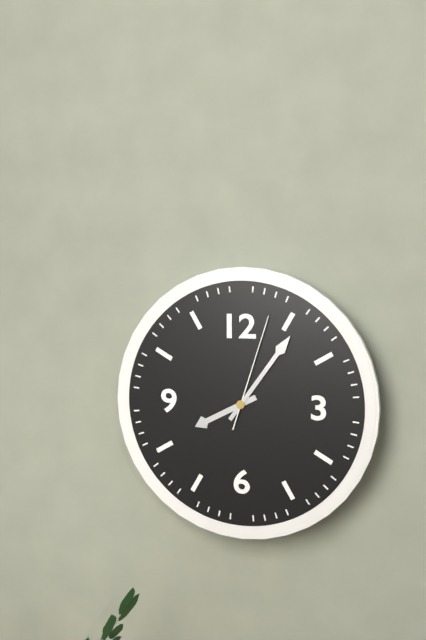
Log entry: 8:06:03
